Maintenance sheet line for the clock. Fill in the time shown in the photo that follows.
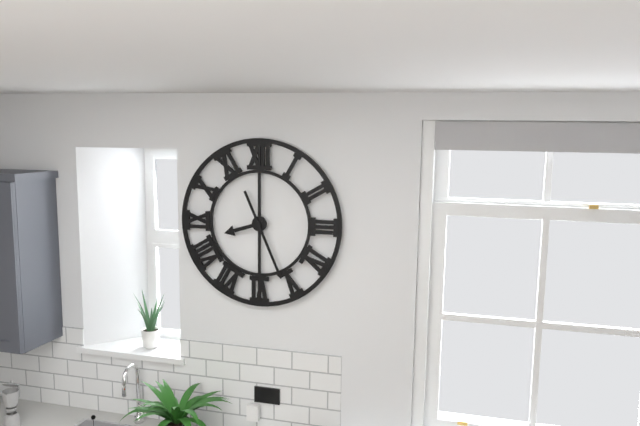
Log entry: 8:26
